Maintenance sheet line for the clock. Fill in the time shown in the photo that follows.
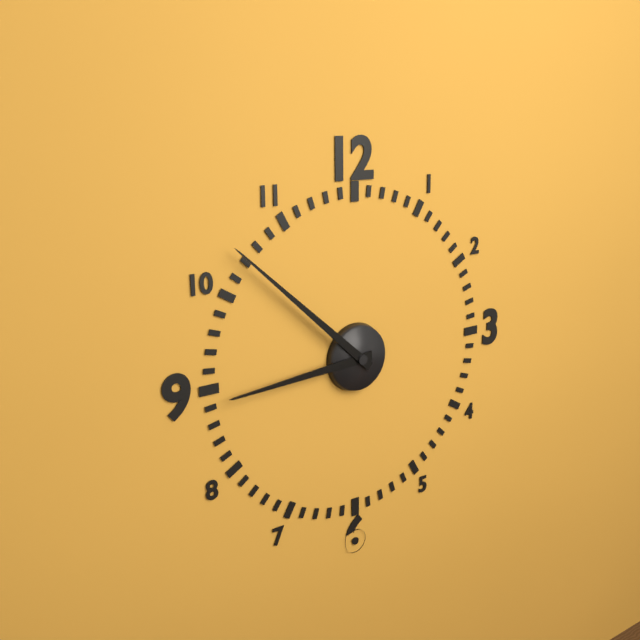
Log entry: 8:52
